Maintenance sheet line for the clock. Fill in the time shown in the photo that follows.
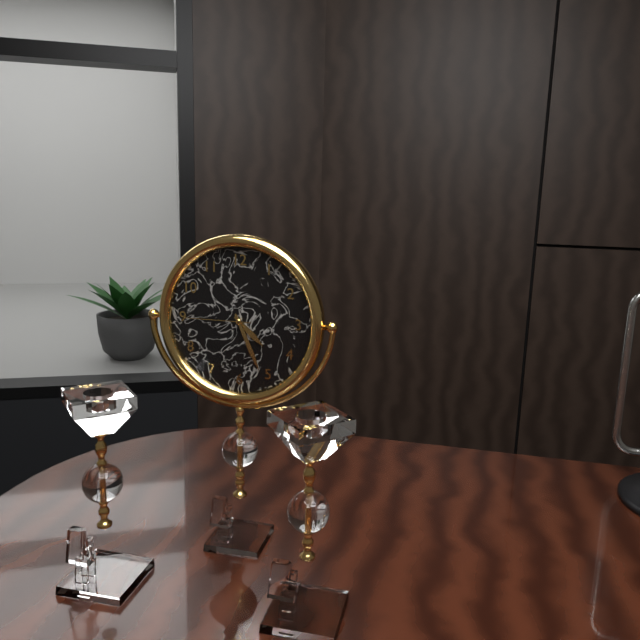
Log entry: 4:26:45
